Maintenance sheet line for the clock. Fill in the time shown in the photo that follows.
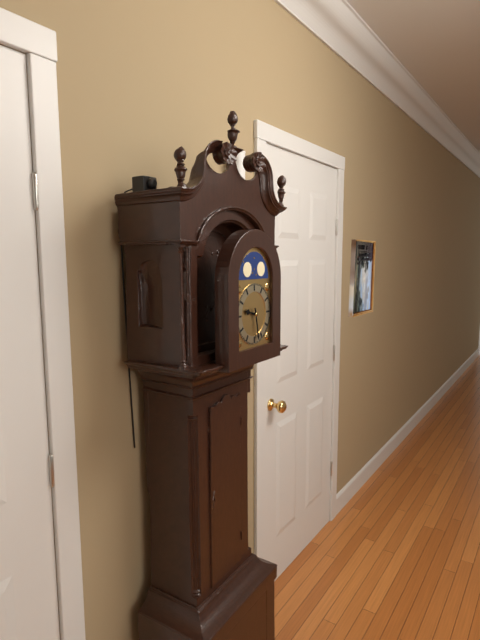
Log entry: 9:28
